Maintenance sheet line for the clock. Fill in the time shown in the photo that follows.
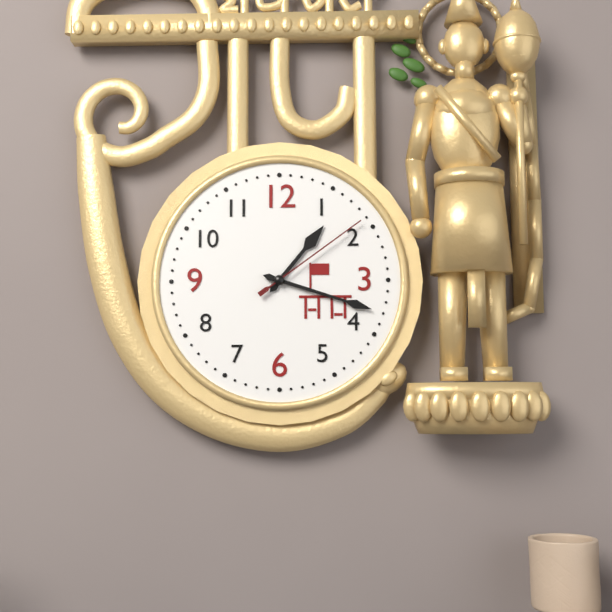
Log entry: 1:18:09
